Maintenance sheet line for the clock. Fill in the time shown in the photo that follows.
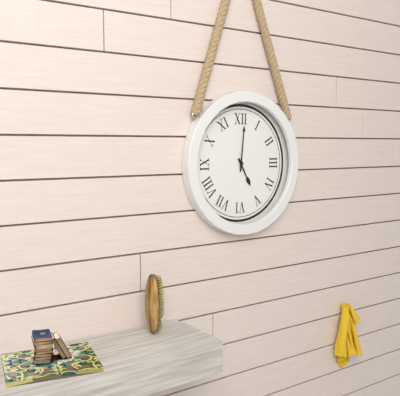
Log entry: 5:01
